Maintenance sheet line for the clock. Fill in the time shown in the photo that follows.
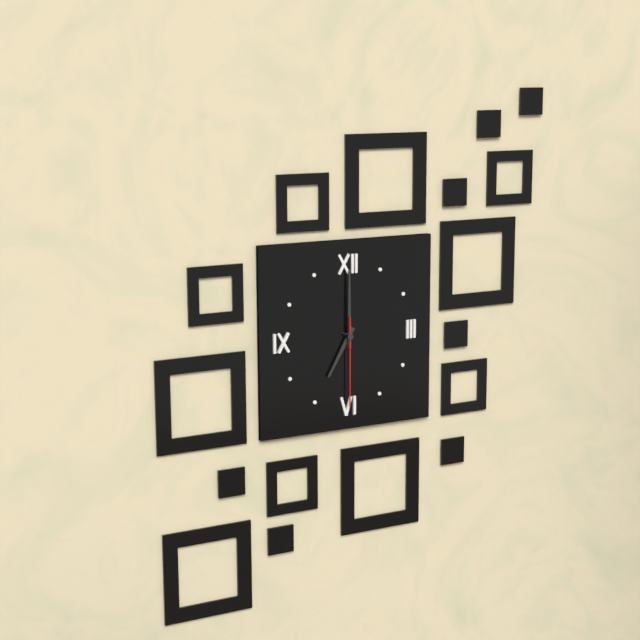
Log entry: 7:00:30
